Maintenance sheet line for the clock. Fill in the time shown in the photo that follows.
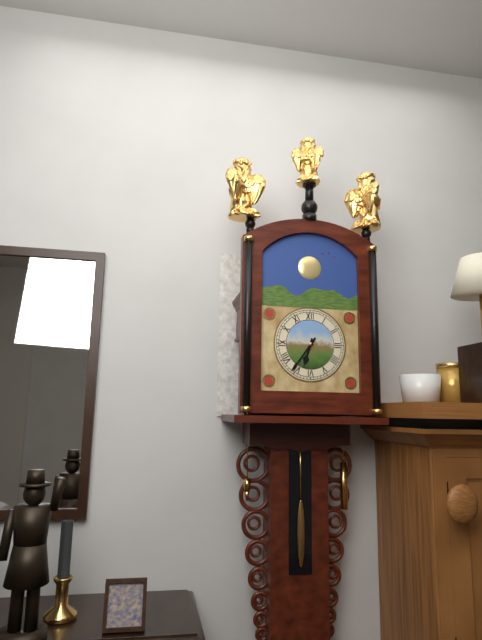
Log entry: 6:36
